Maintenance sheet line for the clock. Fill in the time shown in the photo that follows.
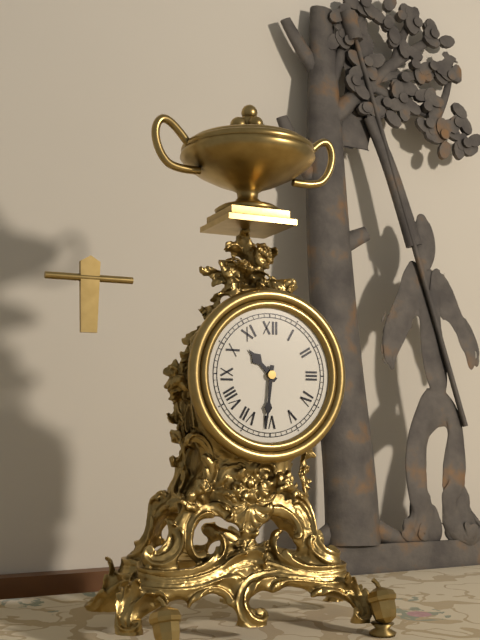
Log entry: 10:31
